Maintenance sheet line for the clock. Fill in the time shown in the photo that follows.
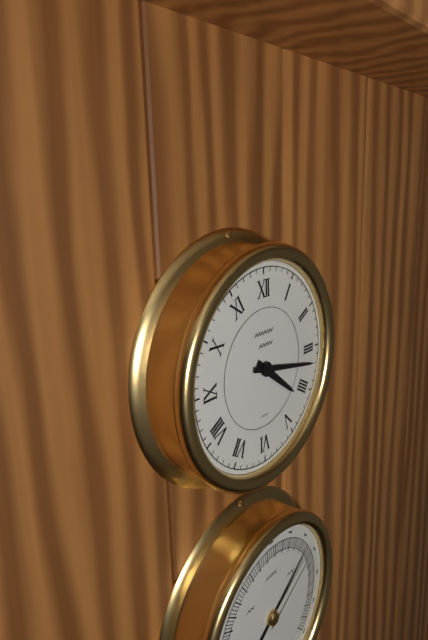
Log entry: 4:17
